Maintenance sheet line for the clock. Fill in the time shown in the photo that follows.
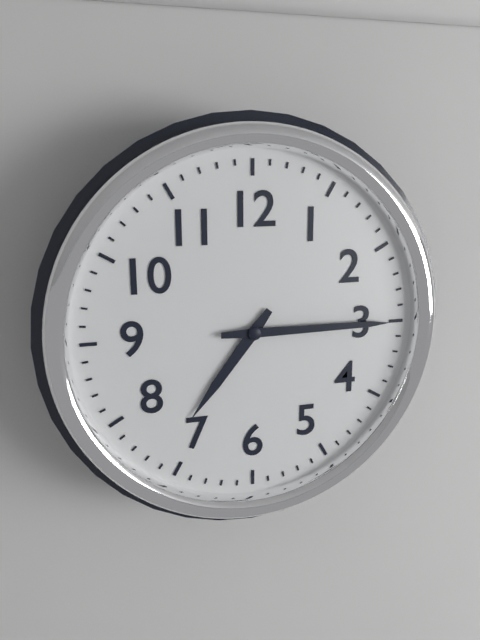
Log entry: 7:15
